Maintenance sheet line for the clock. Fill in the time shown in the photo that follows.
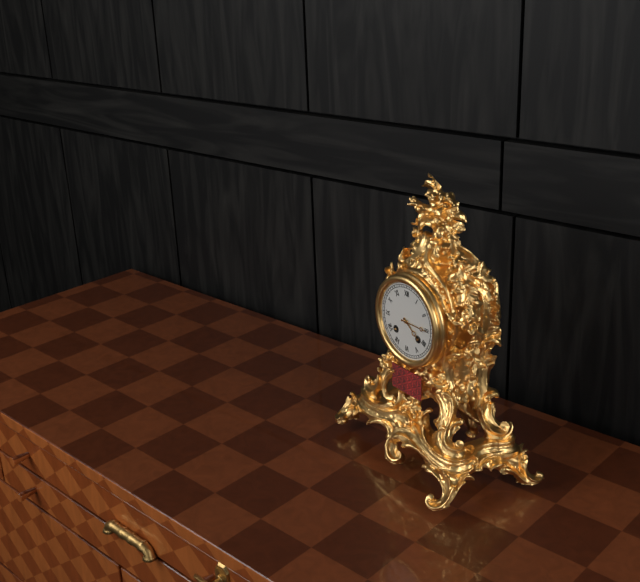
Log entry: 4:15
